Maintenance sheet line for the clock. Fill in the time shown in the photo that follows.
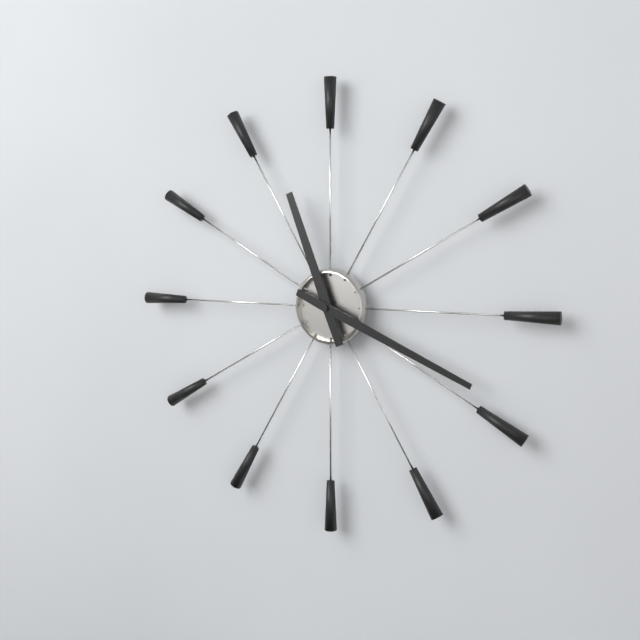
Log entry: 11:19
